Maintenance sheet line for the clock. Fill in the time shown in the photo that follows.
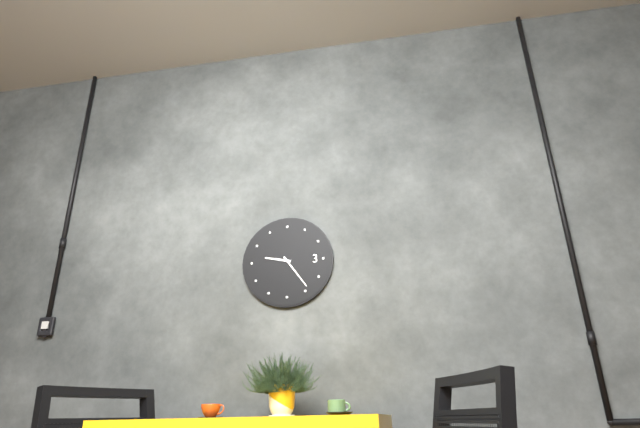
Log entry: 9:24
